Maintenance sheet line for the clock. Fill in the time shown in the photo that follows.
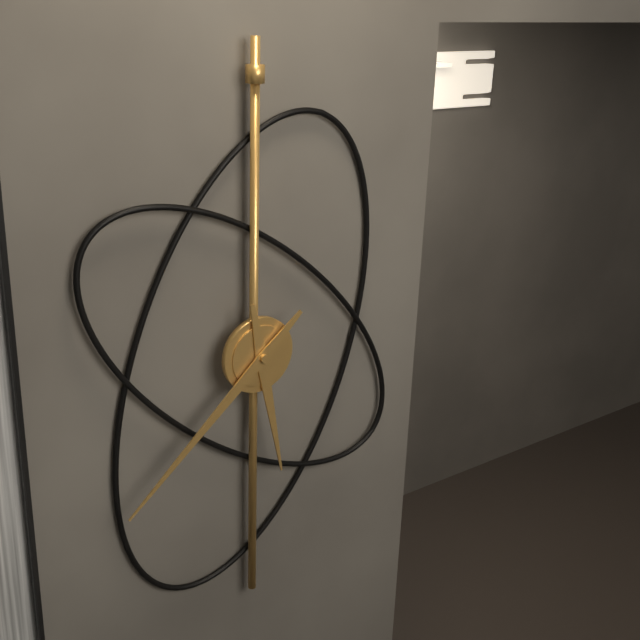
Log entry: 5:38
